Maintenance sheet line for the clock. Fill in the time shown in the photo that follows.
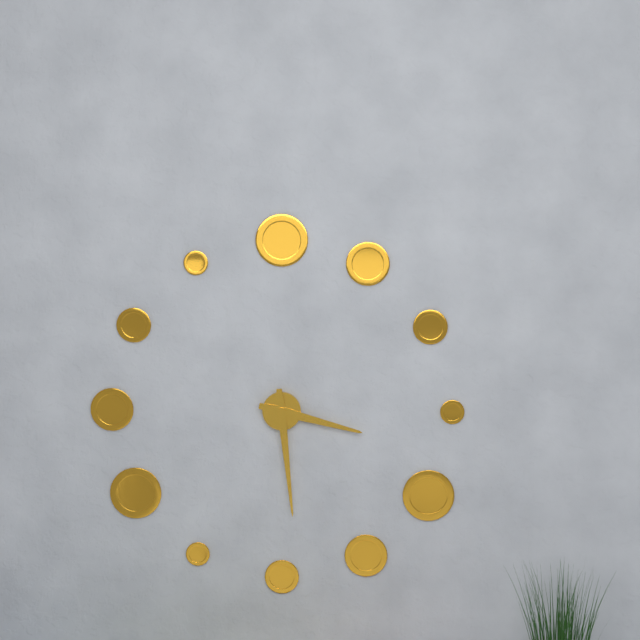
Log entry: 3:29
